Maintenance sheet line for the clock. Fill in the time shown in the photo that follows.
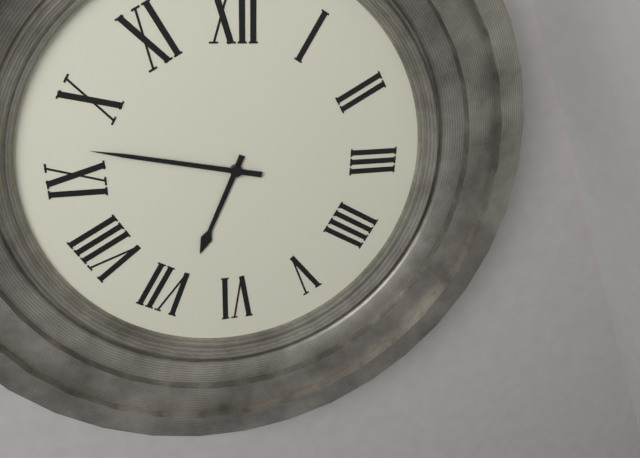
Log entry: 6:47
